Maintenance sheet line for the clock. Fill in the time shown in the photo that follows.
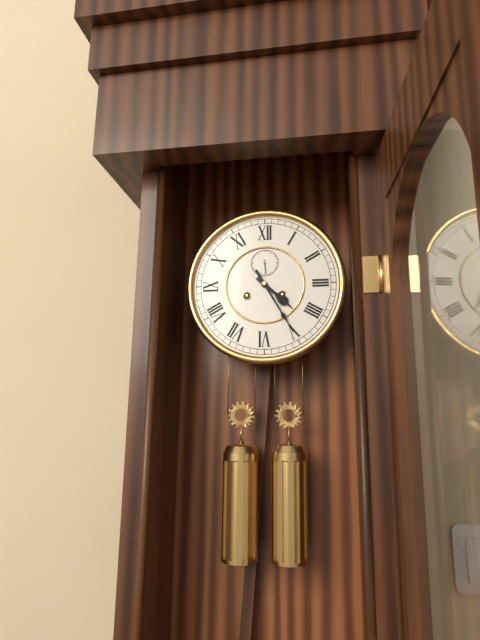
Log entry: 4:25
